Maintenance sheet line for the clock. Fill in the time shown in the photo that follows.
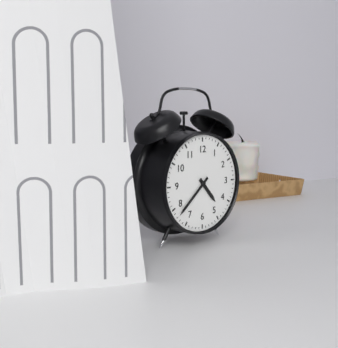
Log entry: 4:38
